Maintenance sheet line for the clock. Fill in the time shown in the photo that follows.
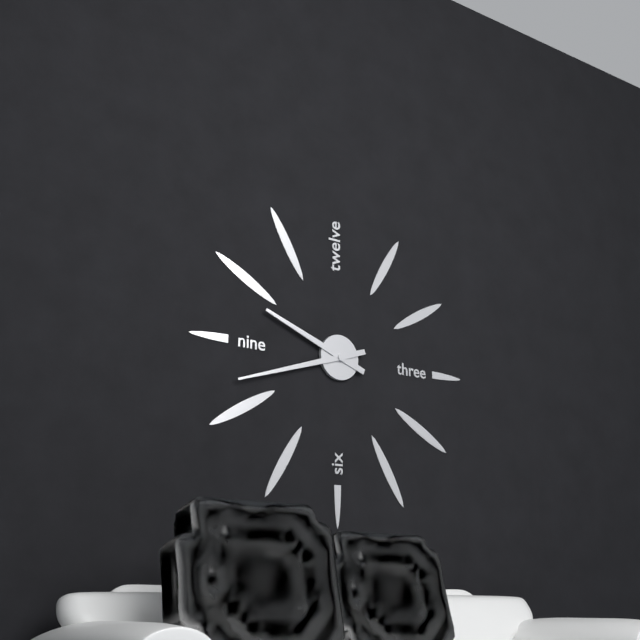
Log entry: 9:42
